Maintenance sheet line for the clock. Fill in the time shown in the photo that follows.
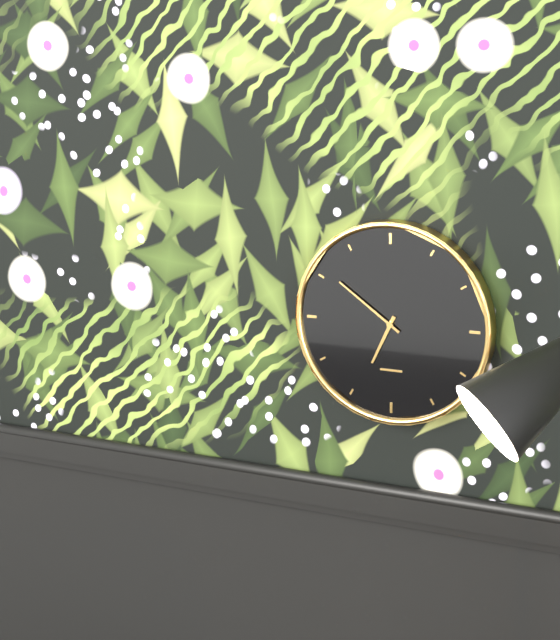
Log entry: 6:51
